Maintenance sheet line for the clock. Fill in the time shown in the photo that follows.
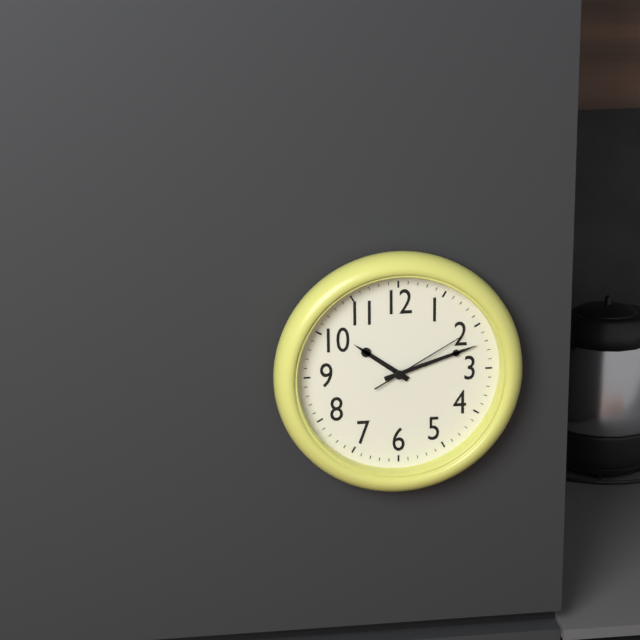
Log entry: 10:12:10
